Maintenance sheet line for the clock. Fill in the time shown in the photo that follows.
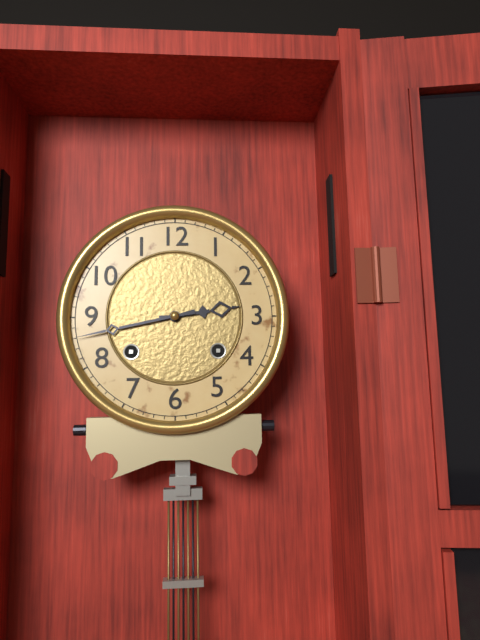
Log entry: 2:43
